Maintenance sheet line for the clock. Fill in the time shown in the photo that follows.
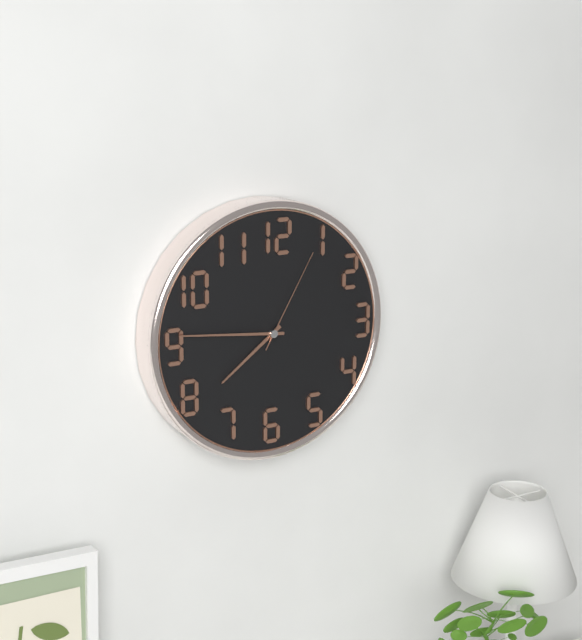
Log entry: 7:46:05
